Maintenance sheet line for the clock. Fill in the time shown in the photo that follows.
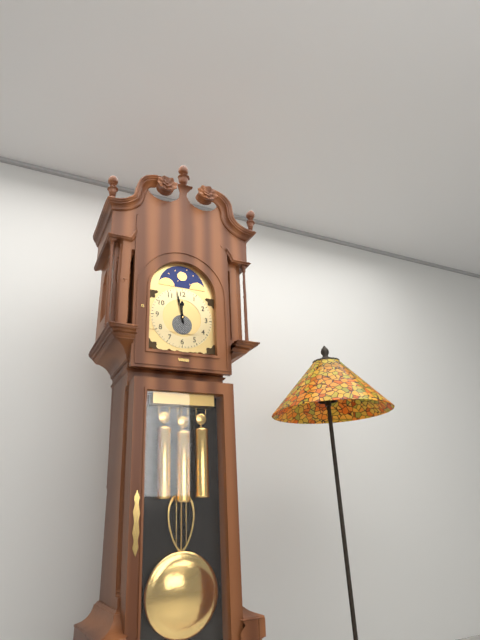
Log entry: 11:58
